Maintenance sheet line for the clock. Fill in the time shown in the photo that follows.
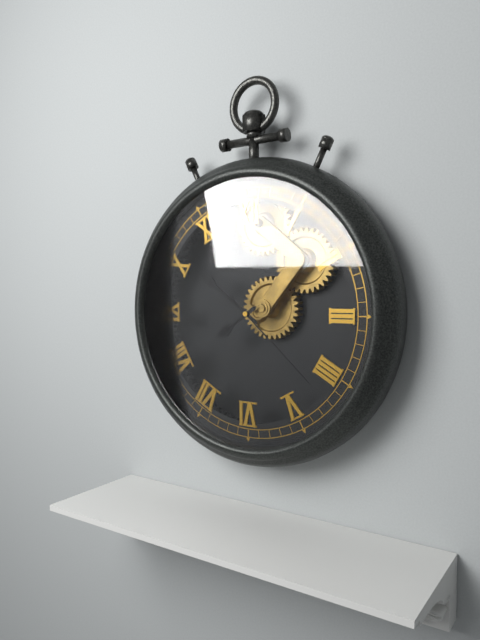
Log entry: 7:51:22
